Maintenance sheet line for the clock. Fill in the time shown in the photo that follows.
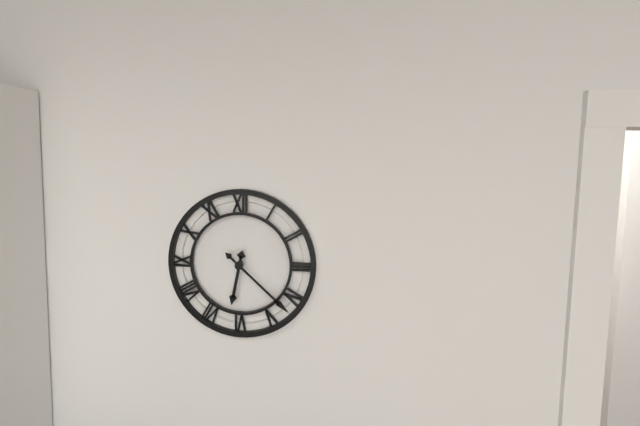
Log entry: 6:22
